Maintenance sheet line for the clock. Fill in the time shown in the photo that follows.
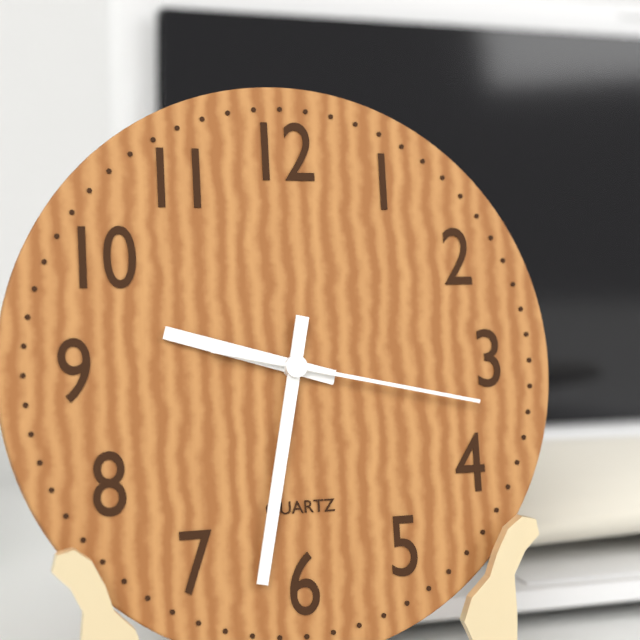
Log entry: 9:32:17
